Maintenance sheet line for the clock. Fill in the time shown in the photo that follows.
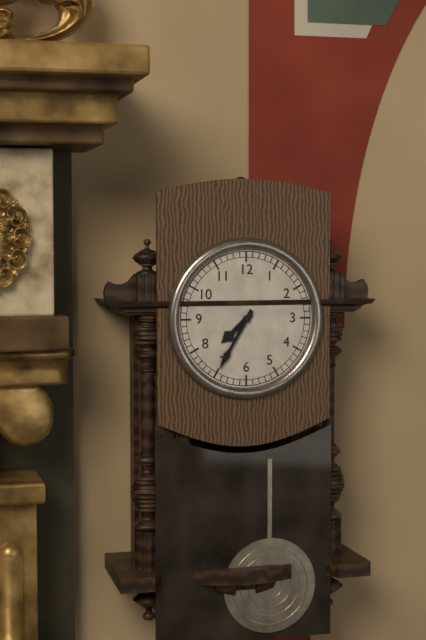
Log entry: 7:35
